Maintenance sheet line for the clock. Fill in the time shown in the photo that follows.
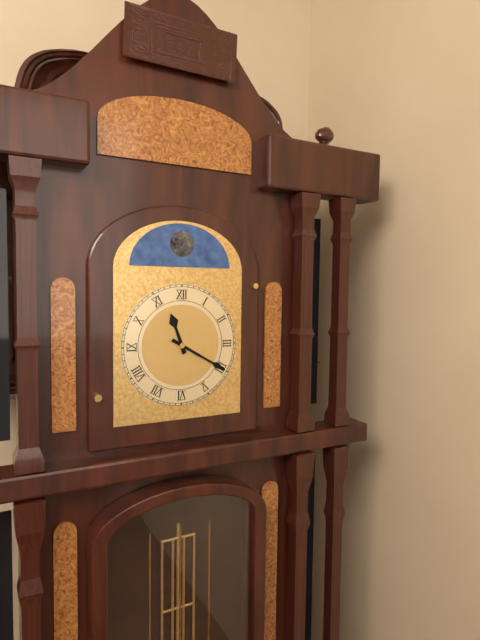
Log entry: 11:20
